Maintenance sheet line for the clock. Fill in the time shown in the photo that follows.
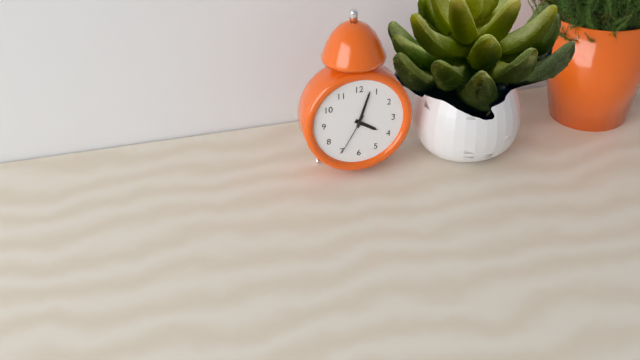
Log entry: 4:03
